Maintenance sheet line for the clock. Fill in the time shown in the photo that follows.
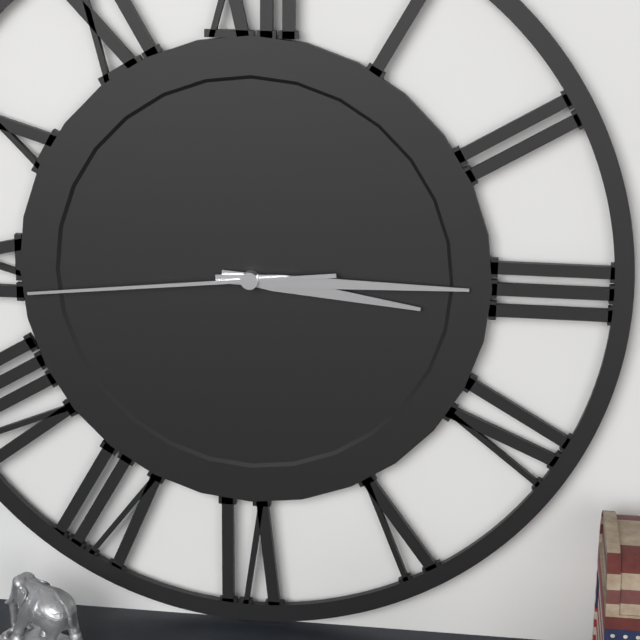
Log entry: 3:15:44
